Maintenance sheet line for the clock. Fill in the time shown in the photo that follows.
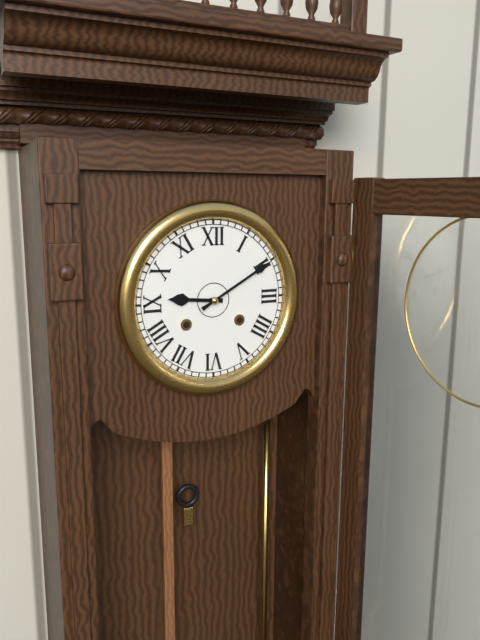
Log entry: 9:10
